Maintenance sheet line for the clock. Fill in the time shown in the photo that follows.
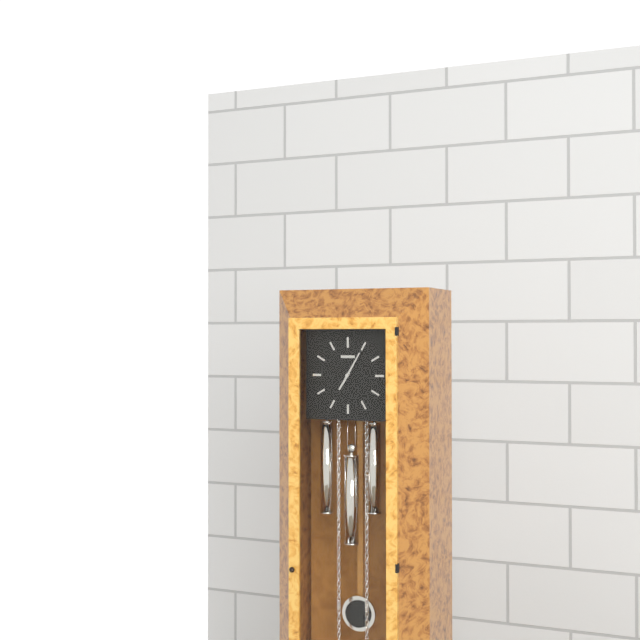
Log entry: 7:05
